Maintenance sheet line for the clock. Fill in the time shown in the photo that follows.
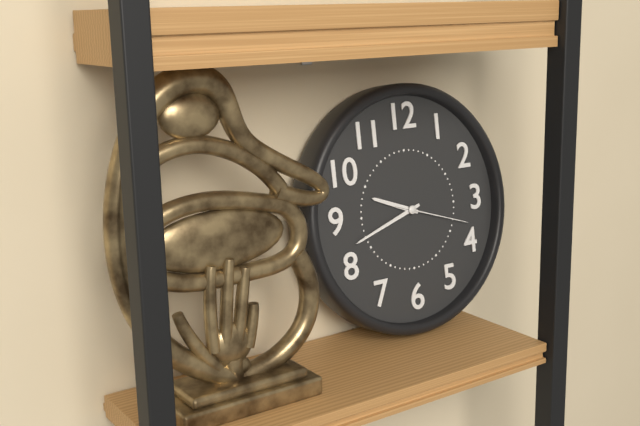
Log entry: 9:42:18
